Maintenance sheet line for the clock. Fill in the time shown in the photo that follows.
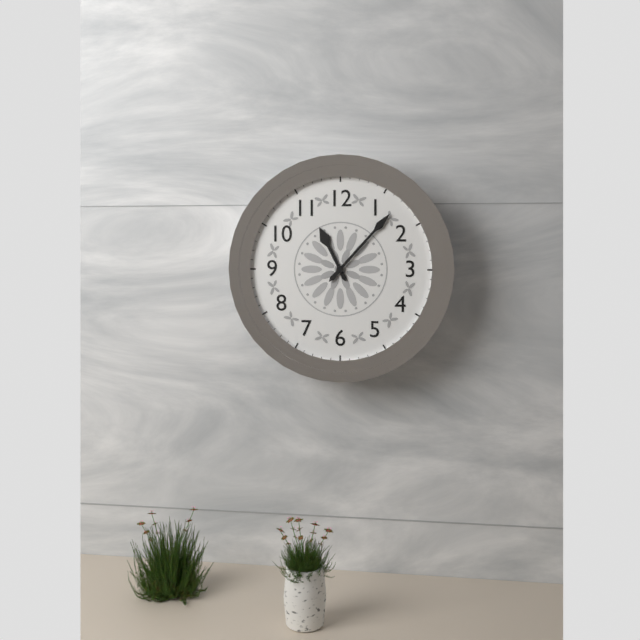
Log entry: 11:07
